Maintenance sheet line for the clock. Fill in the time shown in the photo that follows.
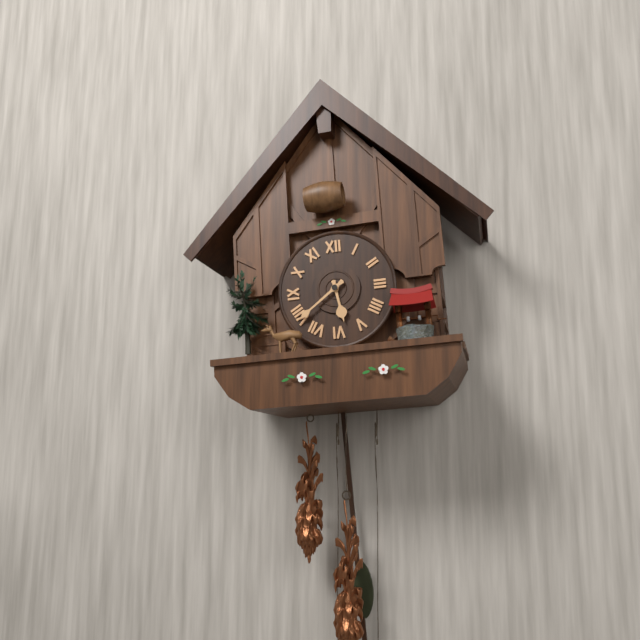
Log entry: 5:39
